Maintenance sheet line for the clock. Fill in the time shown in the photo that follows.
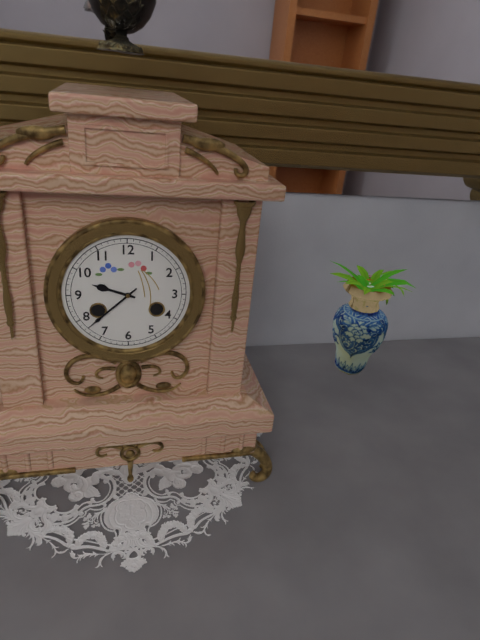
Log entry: 9:38
